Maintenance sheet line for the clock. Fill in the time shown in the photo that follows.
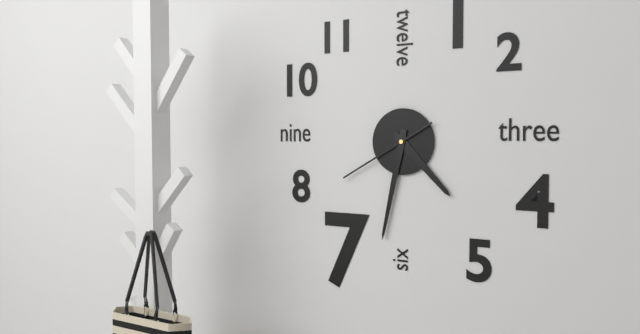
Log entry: 4:32:40
